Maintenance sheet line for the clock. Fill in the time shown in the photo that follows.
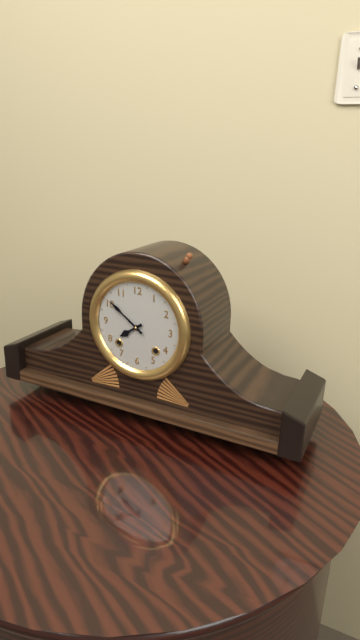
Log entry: 7:51
